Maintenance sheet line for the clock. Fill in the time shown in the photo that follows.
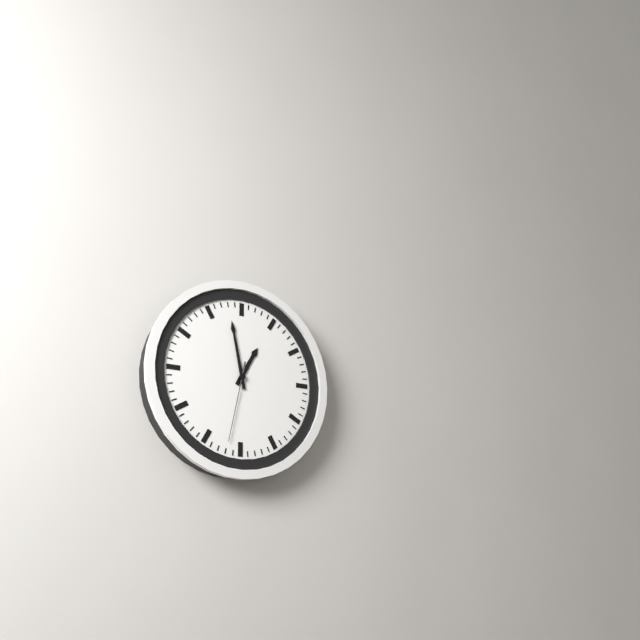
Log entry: 12:58:32
